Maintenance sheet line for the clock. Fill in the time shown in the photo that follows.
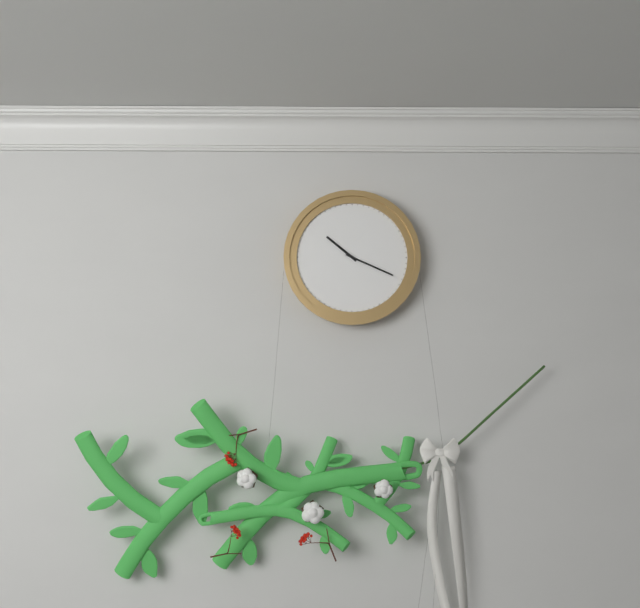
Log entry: 10:19
